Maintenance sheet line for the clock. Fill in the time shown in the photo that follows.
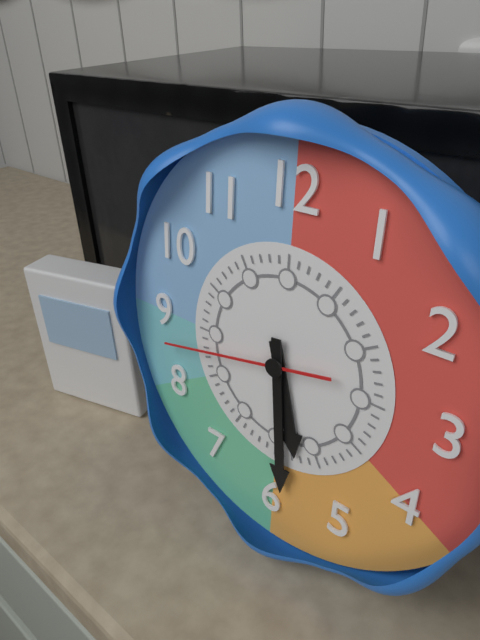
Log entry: 5:29:43
